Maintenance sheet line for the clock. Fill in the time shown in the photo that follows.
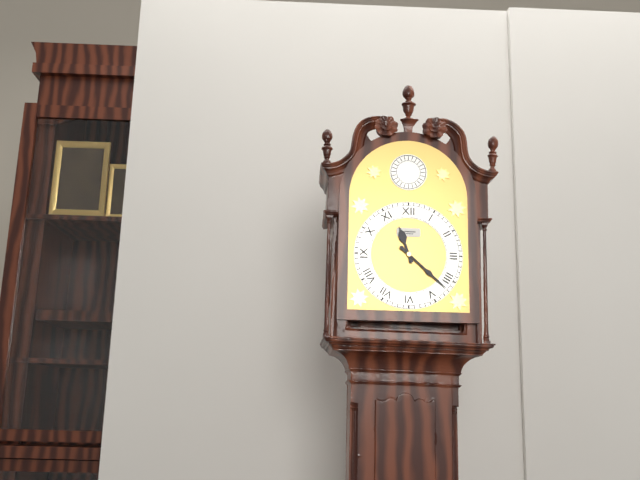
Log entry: 11:22
